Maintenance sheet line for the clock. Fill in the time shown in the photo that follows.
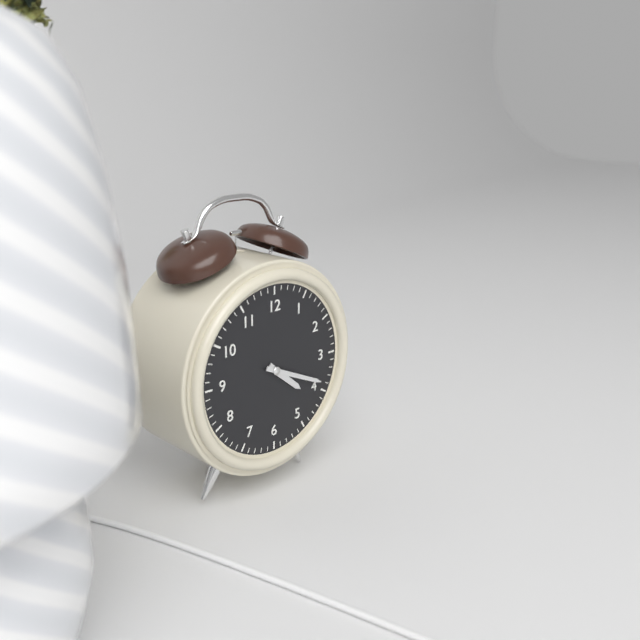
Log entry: 4:19
